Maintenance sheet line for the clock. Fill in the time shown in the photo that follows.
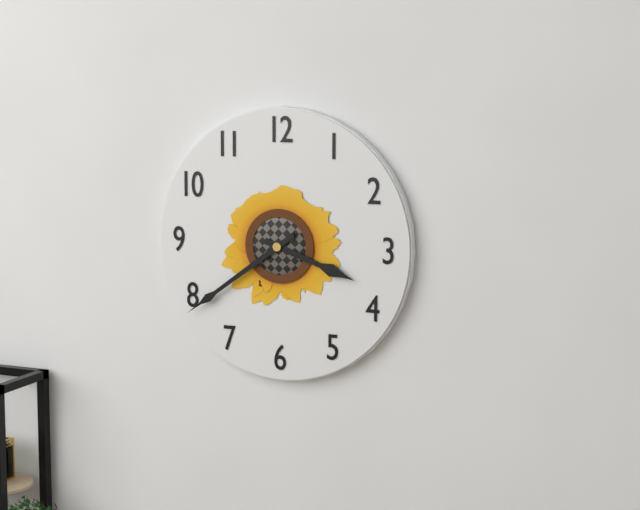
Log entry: 3:39
